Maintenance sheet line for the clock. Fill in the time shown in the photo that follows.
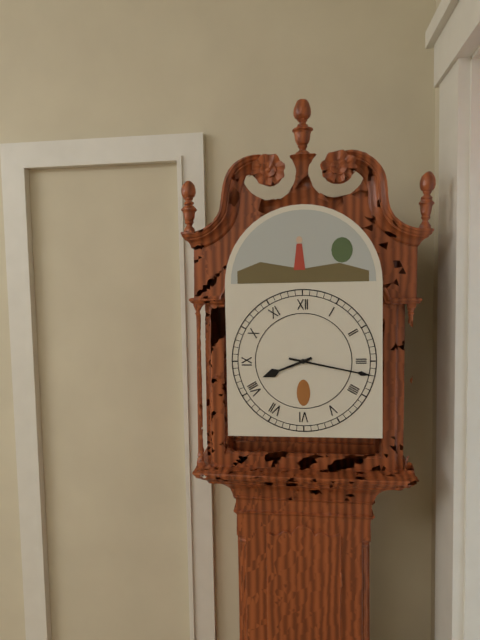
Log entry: 8:17
